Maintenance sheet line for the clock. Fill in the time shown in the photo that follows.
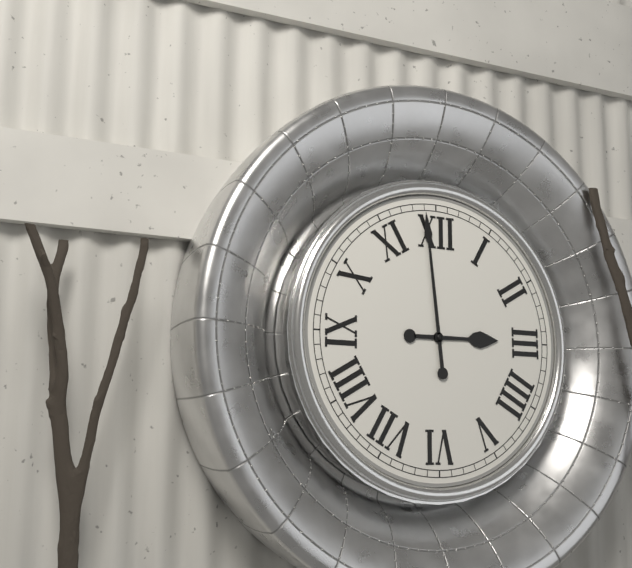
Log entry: 2:59
